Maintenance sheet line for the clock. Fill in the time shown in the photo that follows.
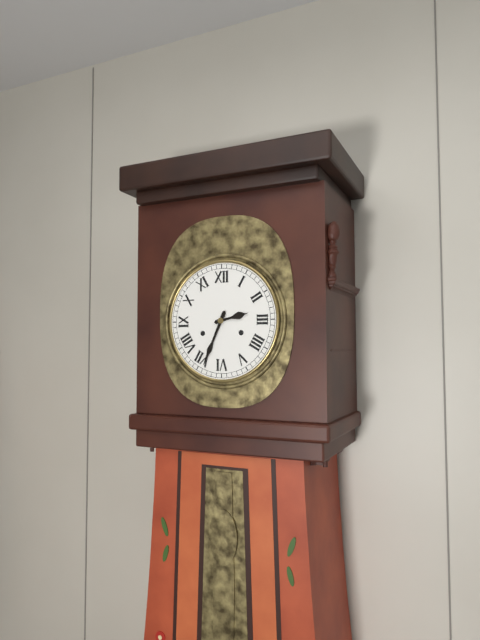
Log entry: 2:34
